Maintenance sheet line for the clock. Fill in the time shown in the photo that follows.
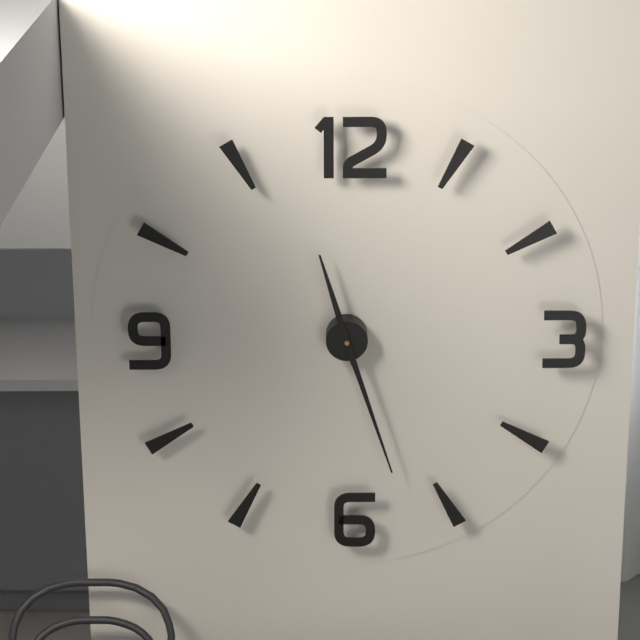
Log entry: 11:27
